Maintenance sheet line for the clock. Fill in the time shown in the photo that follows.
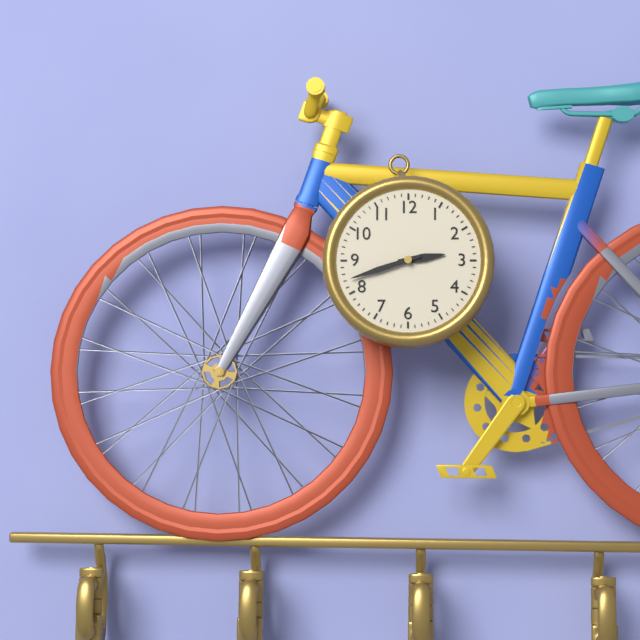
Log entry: 2:42
